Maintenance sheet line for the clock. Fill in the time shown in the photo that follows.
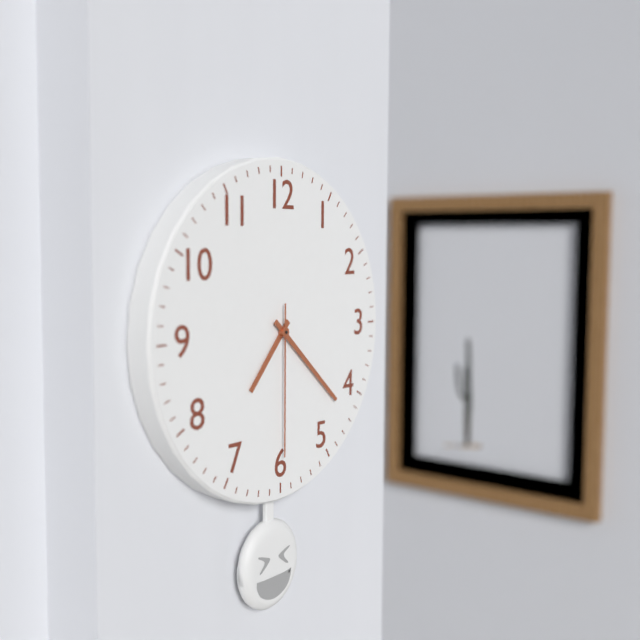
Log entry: 7:22:30
